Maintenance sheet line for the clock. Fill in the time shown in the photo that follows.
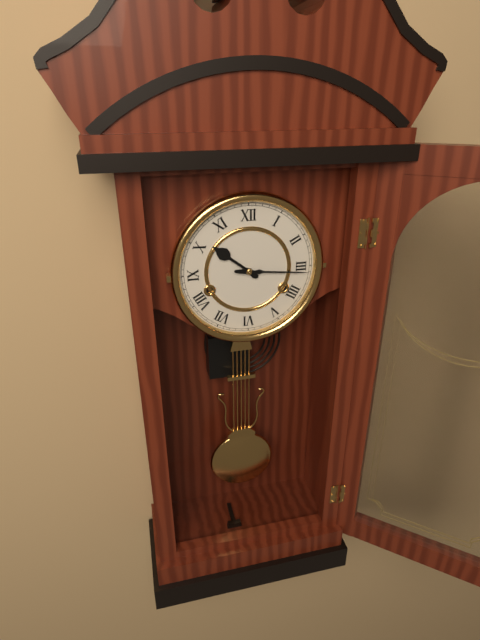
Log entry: 10:16
